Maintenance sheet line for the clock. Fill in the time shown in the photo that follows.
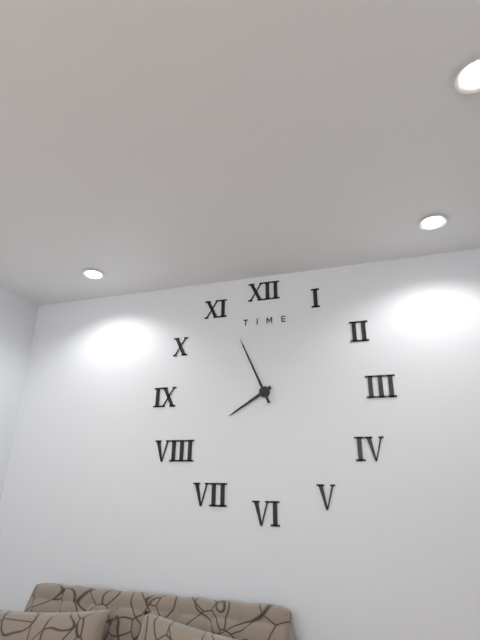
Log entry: 7:56
